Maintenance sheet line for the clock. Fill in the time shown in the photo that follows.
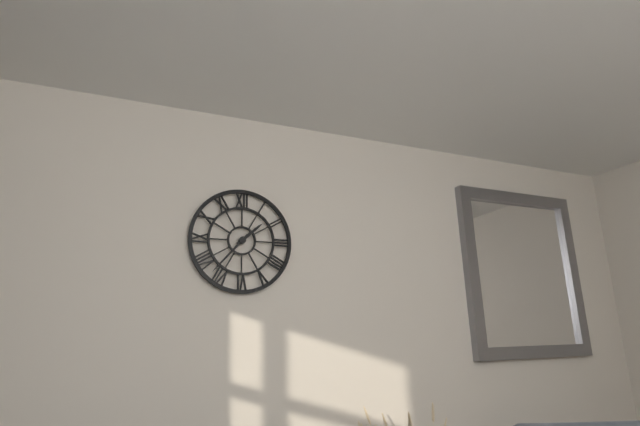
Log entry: 1:37
